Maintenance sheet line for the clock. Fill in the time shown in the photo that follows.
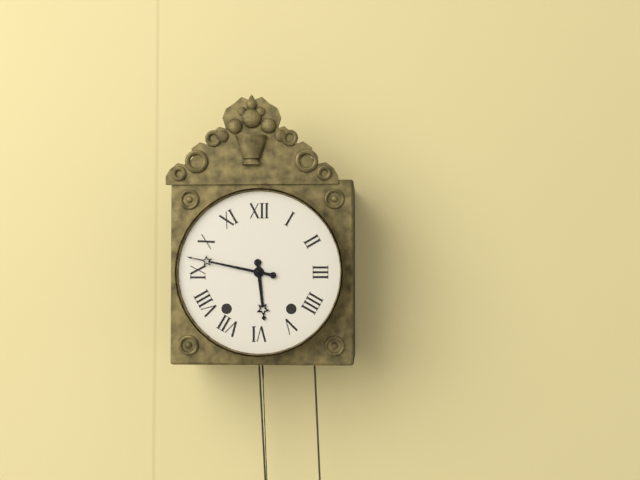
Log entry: 5:47
